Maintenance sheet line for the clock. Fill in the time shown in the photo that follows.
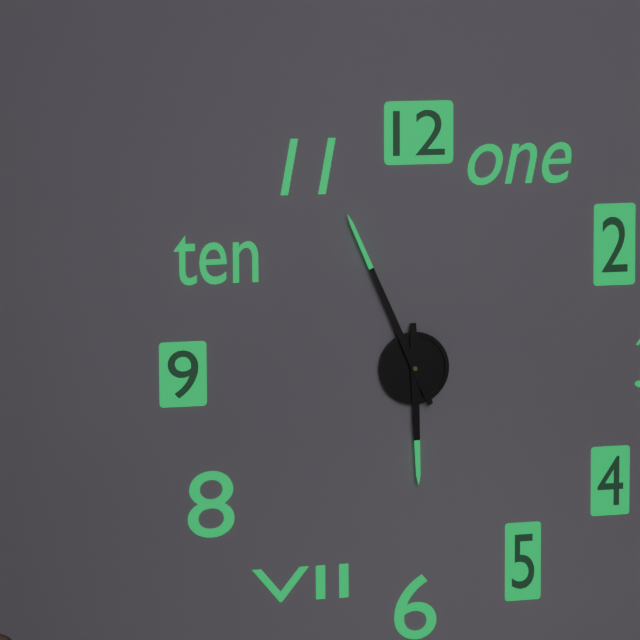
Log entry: 5:56
